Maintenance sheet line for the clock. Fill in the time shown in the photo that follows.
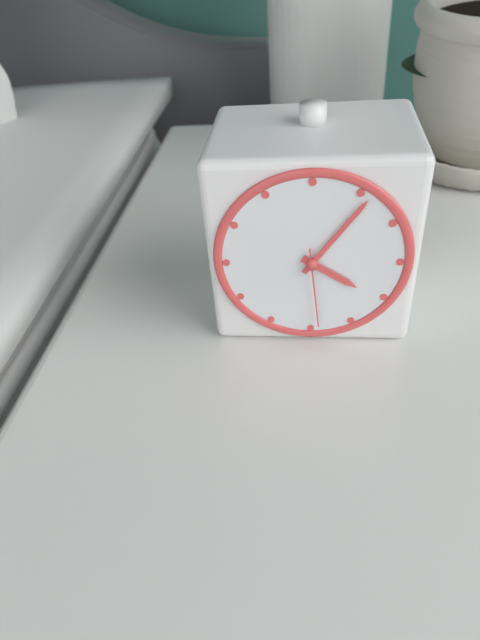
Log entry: 4:06:29
